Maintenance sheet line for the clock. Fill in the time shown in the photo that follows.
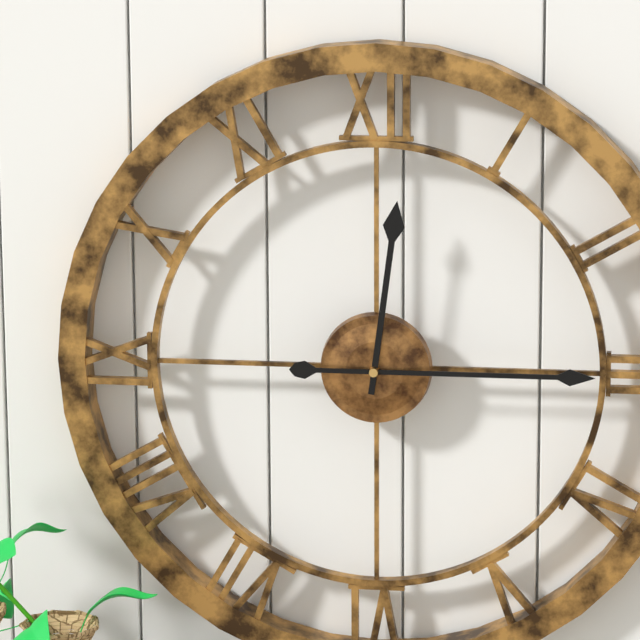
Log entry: 12:15
